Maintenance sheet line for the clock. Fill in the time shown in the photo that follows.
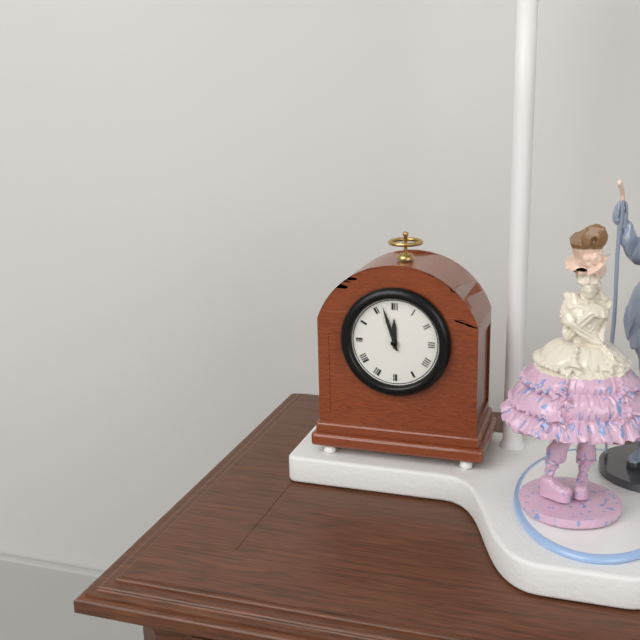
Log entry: 11:57
